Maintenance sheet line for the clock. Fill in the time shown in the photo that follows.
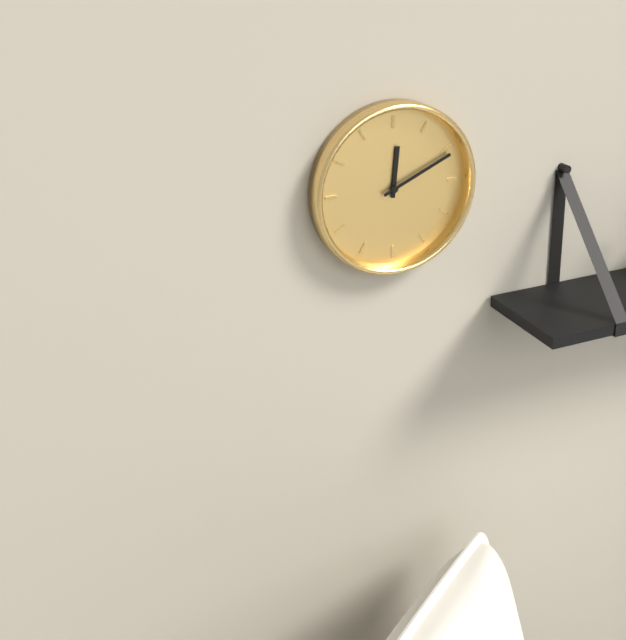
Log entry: 12:11
